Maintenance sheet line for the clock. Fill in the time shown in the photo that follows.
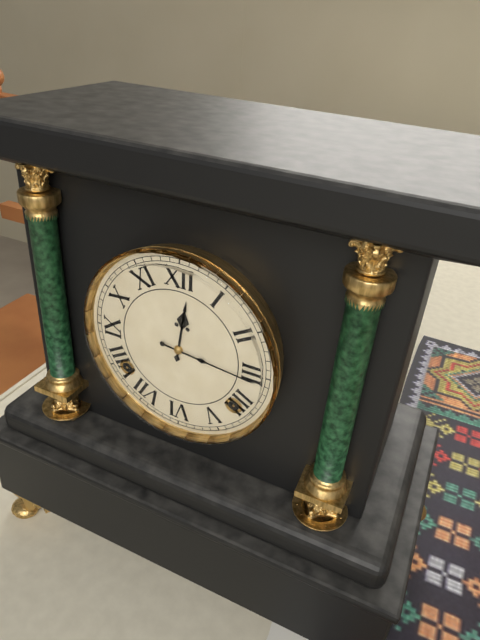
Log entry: 12:16
